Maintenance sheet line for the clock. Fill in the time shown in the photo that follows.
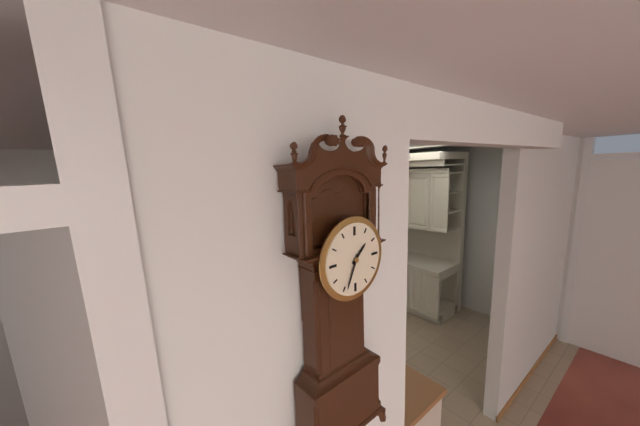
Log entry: 1:34
